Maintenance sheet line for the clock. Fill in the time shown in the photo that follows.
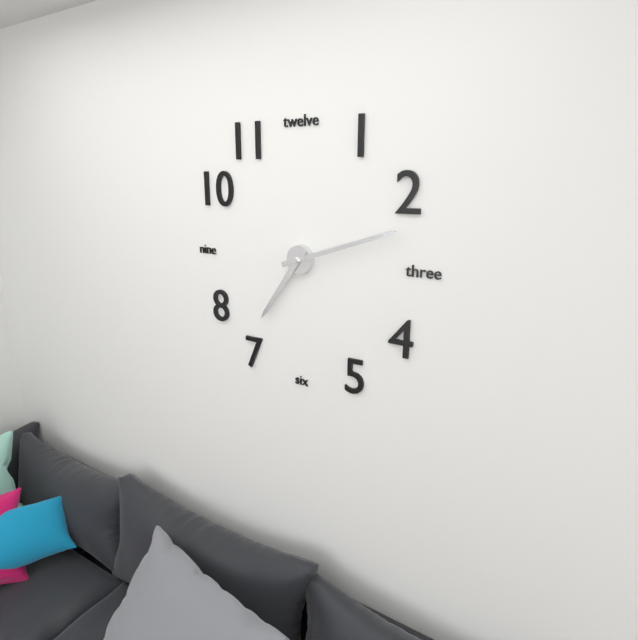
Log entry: 7:12
